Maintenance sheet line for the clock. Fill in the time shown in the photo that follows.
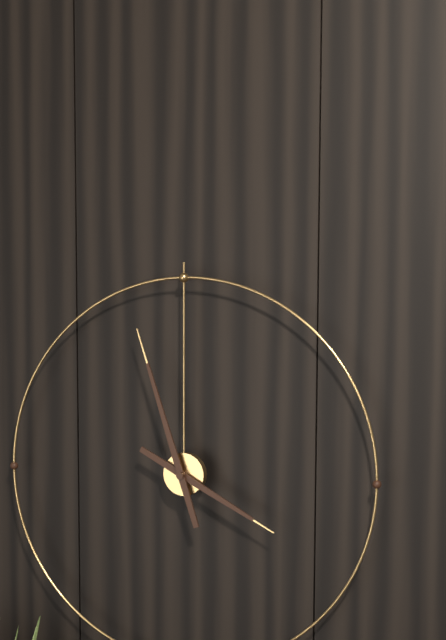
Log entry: 3:57
